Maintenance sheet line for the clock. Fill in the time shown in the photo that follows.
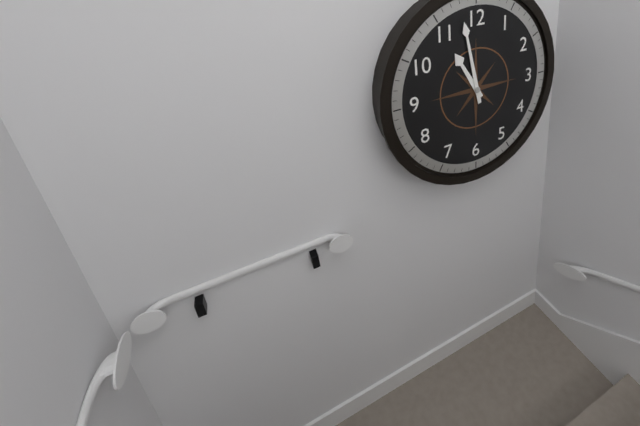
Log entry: 10:58
